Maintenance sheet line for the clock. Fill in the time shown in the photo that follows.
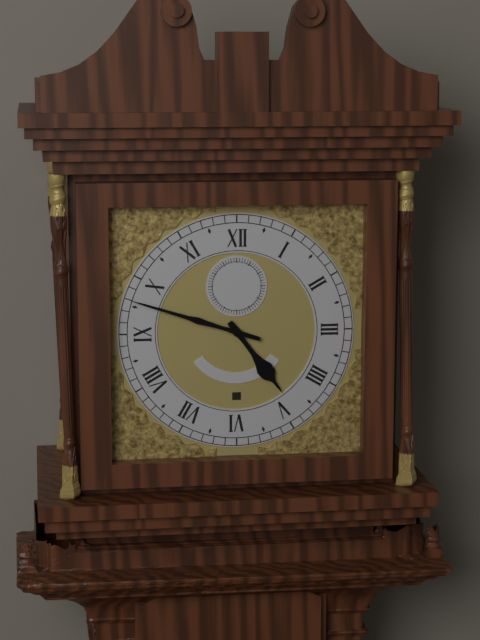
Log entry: 4:48
